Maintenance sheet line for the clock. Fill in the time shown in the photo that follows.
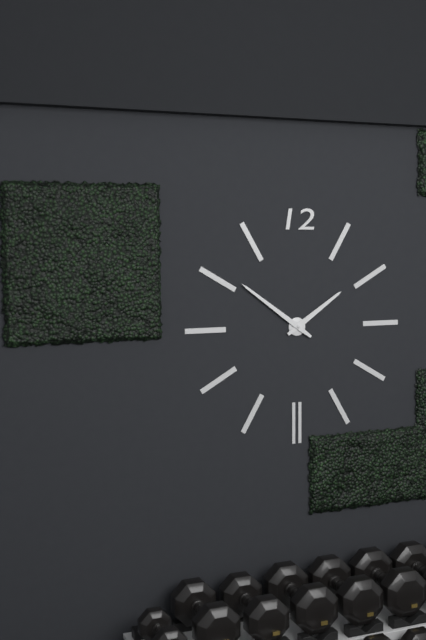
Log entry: 1:51
